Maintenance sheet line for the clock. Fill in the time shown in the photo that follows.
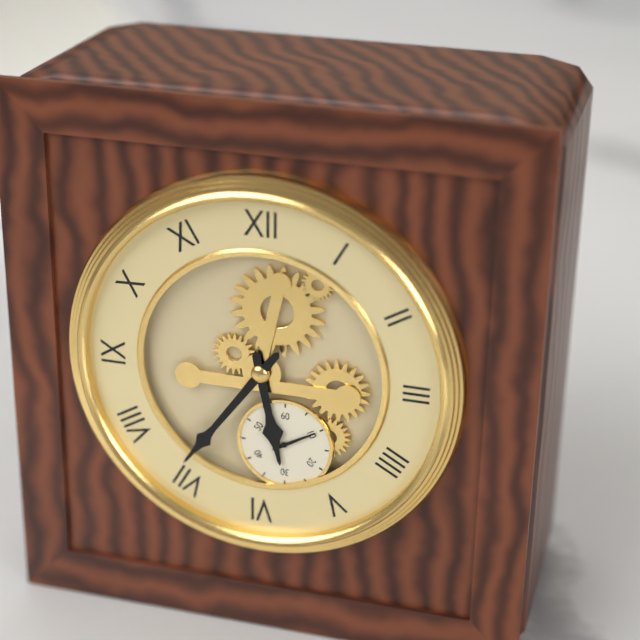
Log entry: 5:36
